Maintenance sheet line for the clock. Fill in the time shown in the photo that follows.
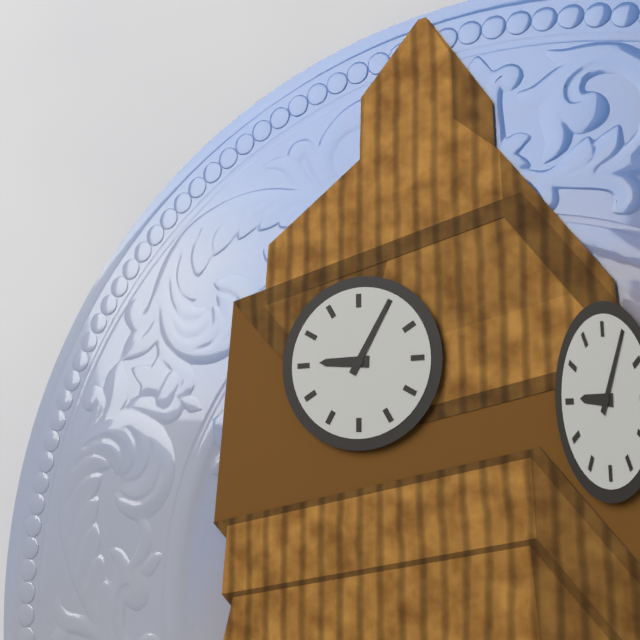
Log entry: 9:05
